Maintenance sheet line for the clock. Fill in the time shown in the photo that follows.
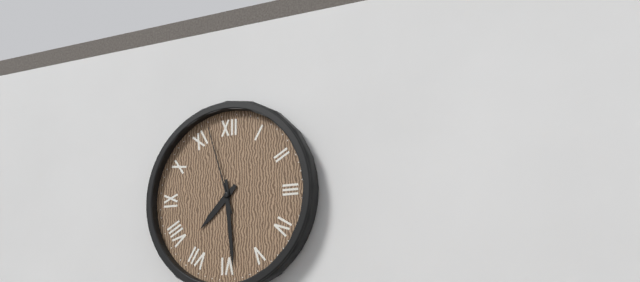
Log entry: 7:29:57
